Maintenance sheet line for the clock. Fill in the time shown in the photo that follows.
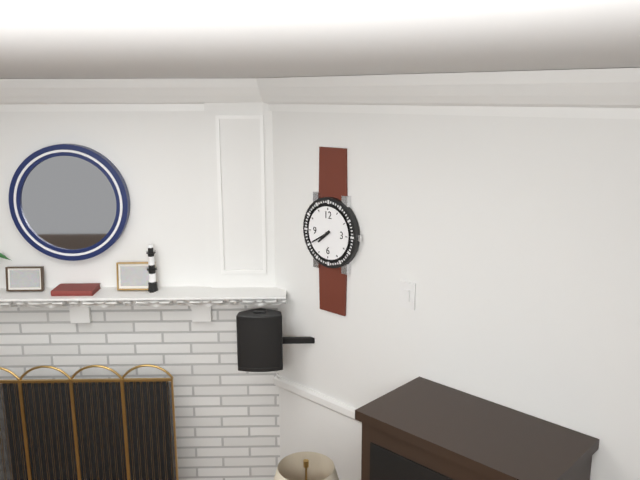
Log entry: 7:40
